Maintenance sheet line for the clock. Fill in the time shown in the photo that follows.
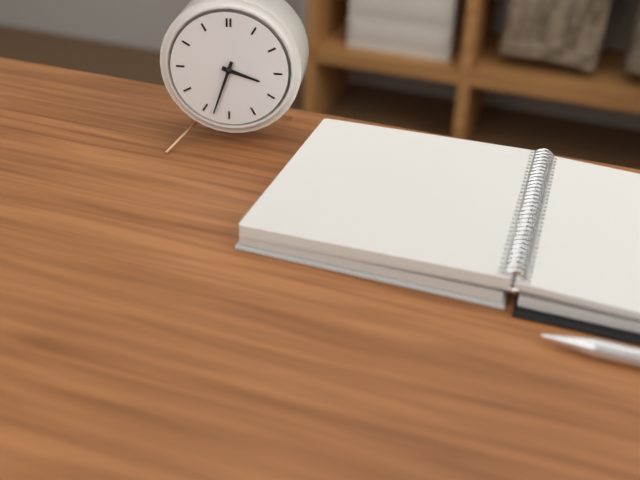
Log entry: 3:33
